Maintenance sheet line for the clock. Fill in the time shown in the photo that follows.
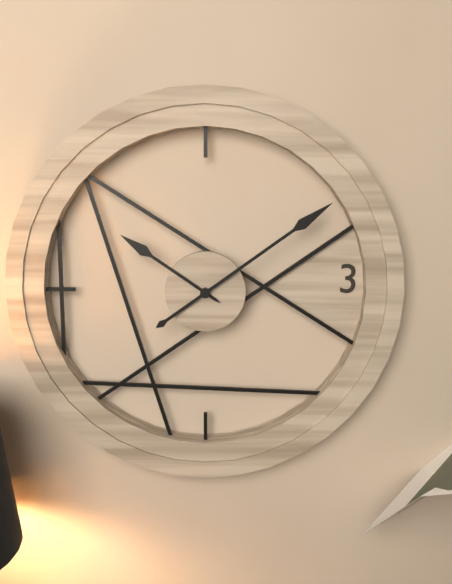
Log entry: 10:09
